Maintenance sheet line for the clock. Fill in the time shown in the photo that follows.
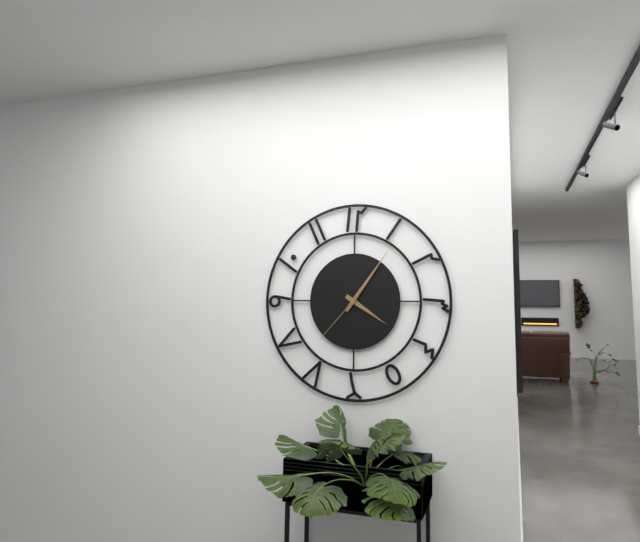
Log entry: 4:06:37
